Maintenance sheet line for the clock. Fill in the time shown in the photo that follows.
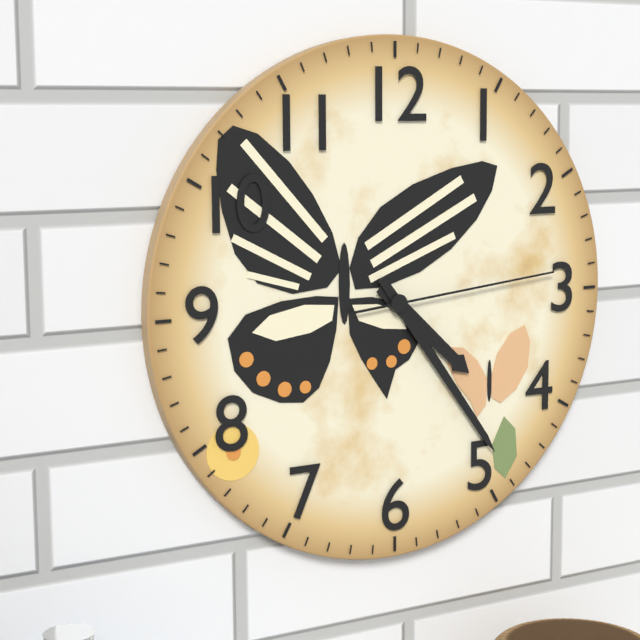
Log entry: 4:24:14
